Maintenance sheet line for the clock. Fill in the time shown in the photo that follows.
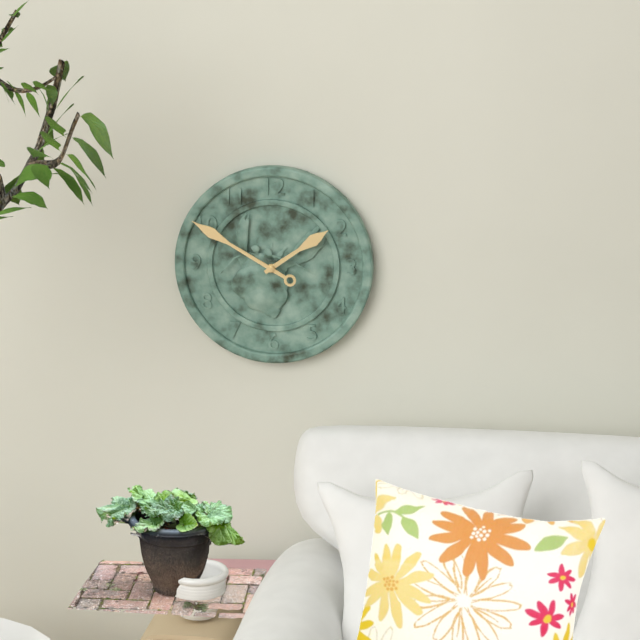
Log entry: 1:50
